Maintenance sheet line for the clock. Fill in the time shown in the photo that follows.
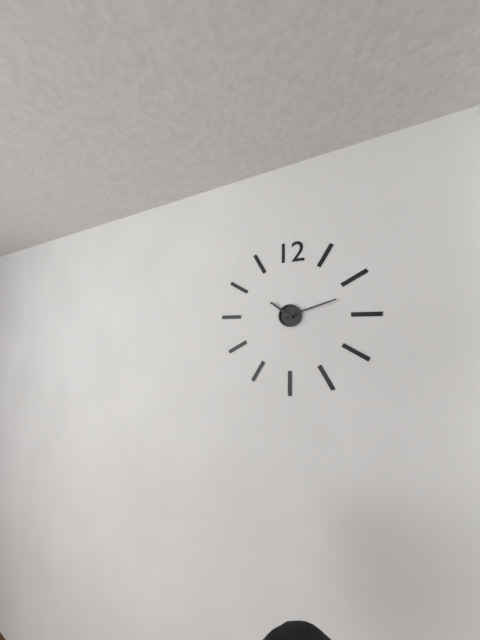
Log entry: 10:12
